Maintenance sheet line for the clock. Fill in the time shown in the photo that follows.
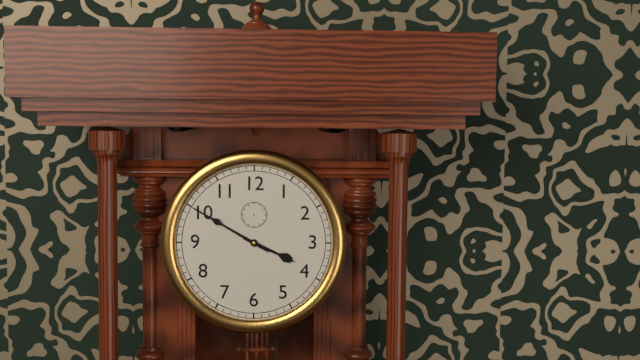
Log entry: 3:50
